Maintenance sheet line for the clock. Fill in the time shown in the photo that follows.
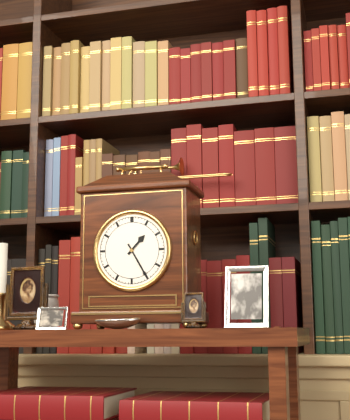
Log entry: 1:25
